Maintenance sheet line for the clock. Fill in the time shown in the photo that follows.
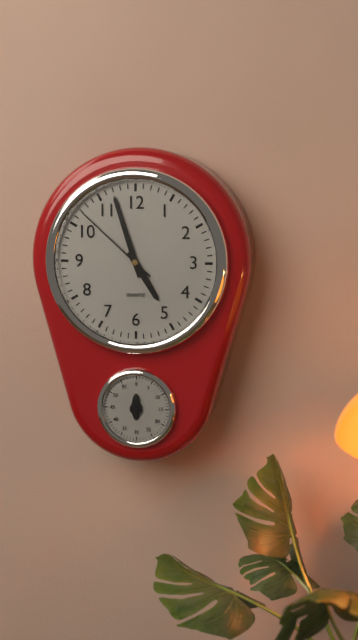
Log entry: 4:57:52
